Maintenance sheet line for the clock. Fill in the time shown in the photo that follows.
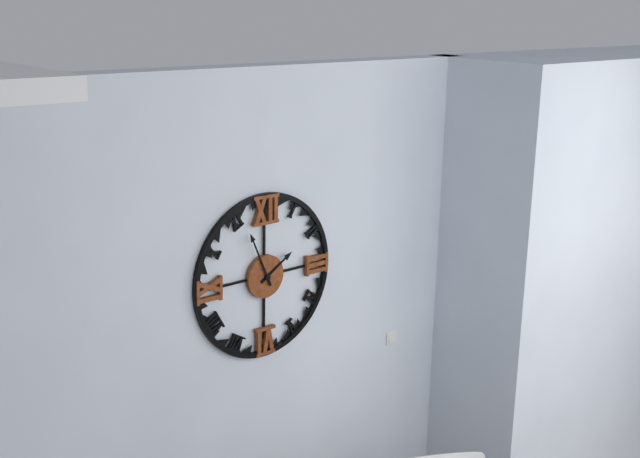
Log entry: 1:56
